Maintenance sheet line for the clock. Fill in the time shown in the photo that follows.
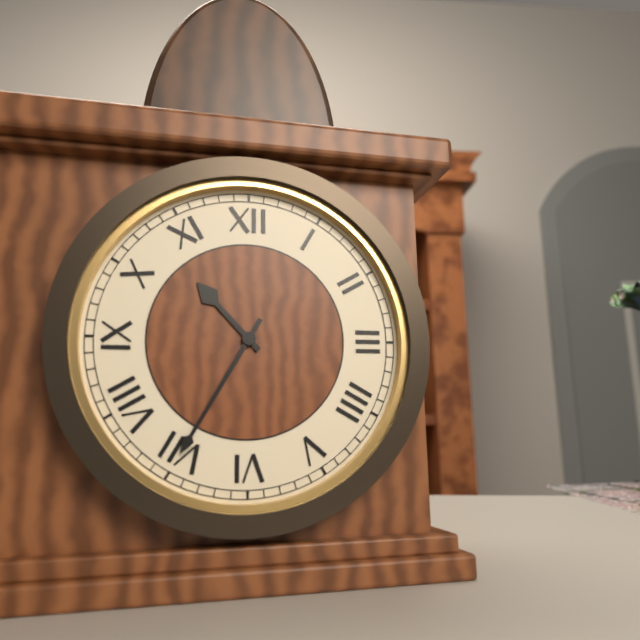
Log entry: 10:35
